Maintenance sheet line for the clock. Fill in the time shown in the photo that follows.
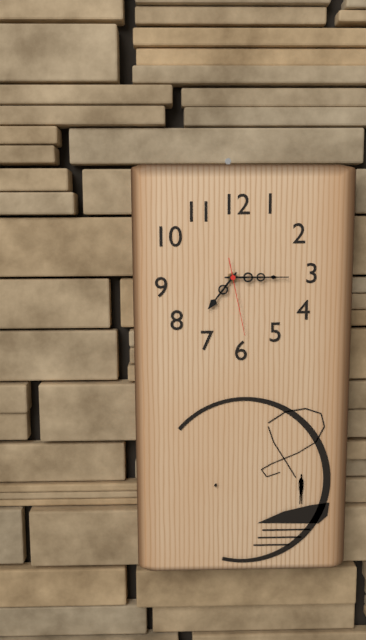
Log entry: 7:15:28
